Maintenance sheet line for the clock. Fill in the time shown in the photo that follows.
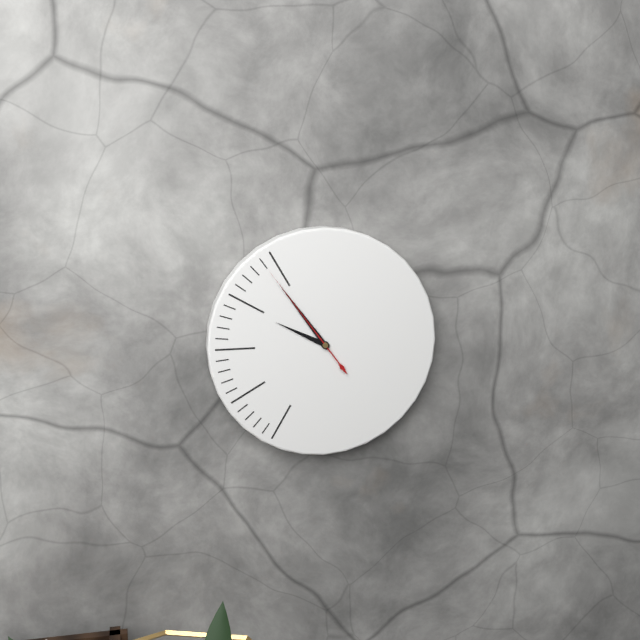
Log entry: 9:54:54
